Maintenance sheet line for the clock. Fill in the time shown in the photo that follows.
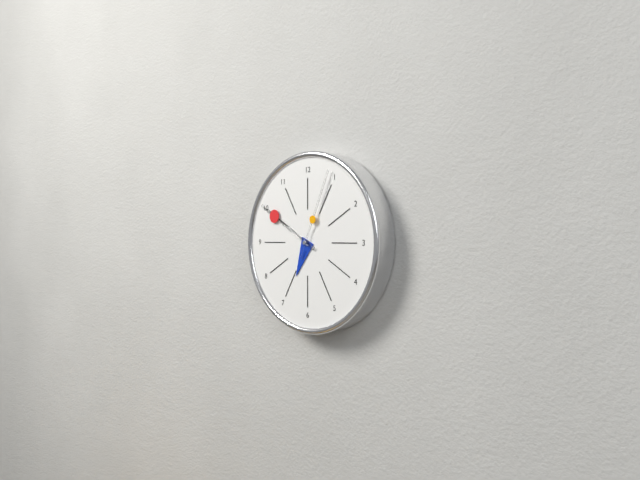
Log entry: 6:50:04
